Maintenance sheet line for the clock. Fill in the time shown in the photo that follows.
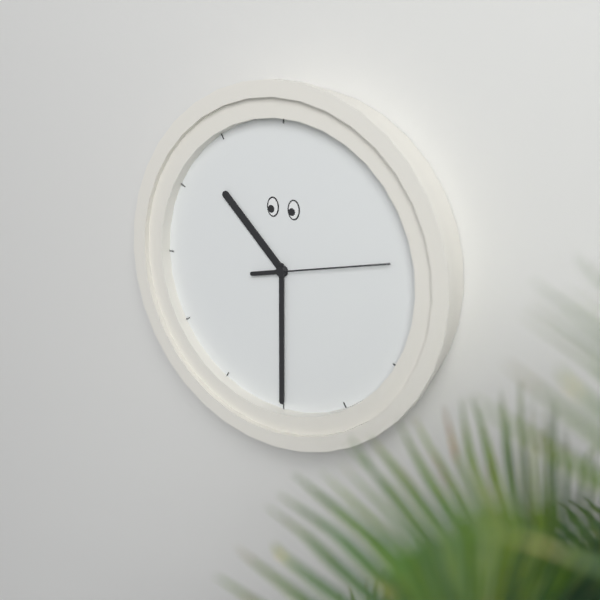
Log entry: 10:30:13
